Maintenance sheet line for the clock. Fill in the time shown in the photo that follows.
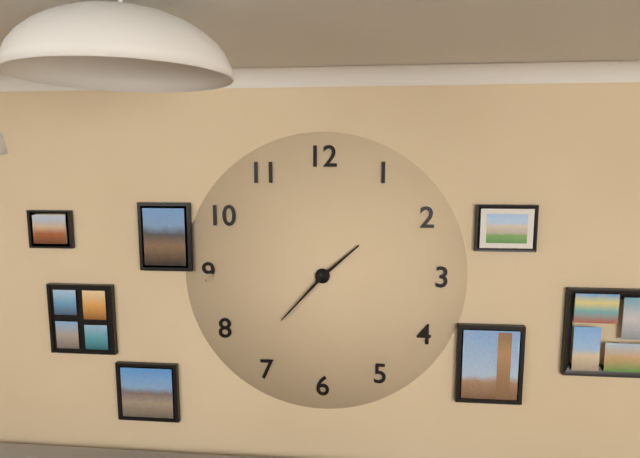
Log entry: 1:37
